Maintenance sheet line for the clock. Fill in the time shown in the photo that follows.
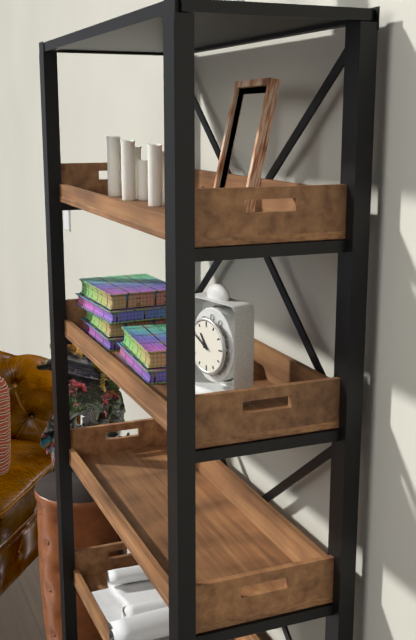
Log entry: 10:50
